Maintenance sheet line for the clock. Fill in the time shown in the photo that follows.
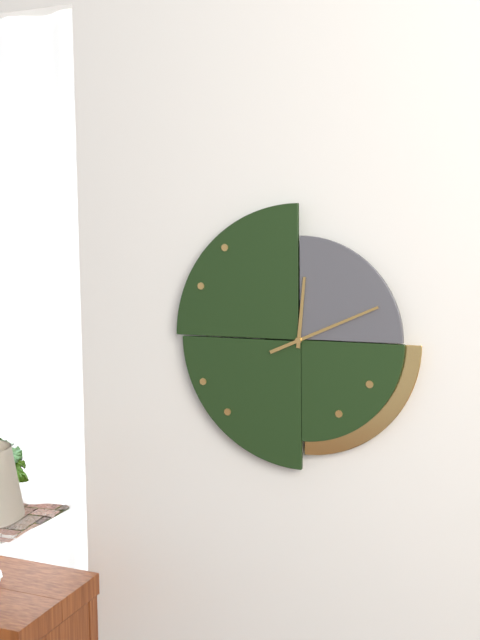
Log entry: 12:11
